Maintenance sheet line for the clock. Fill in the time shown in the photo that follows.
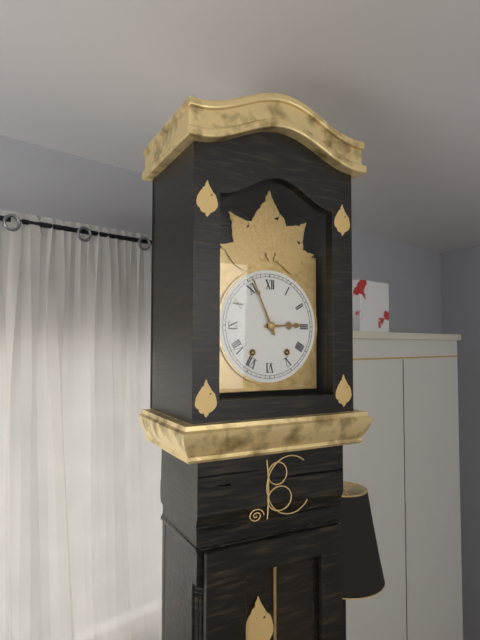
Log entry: 2:56
